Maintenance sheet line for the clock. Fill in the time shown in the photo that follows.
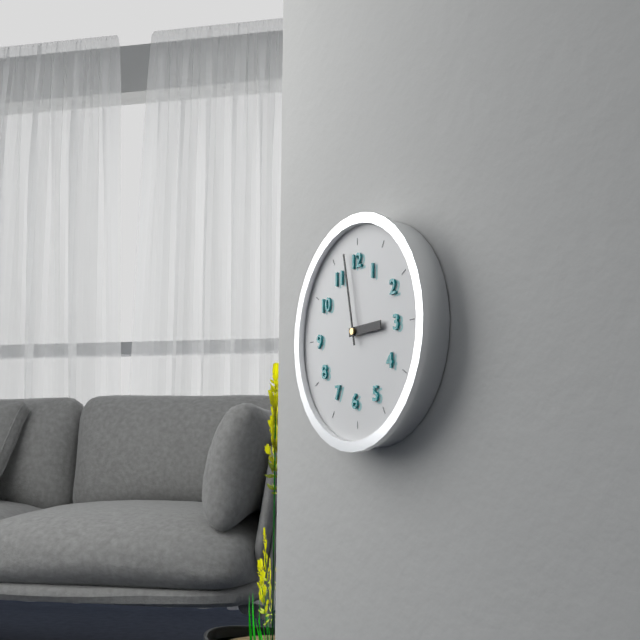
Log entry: 2:58
